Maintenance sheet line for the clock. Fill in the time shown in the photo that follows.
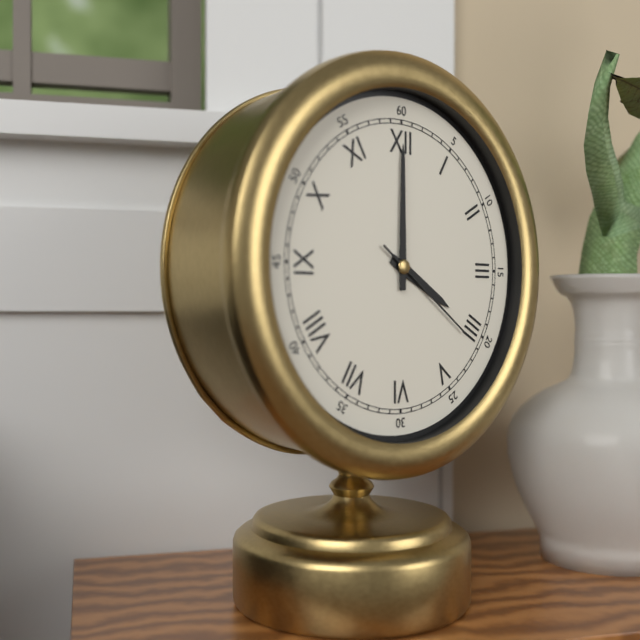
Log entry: 4:00:21
